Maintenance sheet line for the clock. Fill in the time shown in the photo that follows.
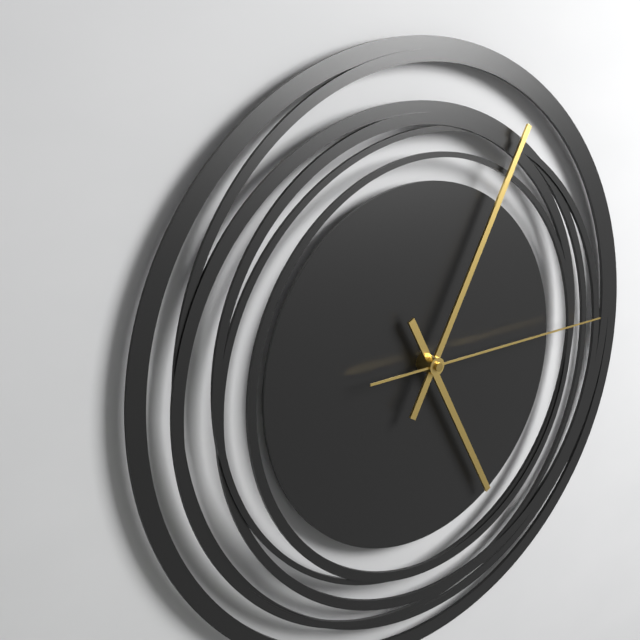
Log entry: 5:05:15
